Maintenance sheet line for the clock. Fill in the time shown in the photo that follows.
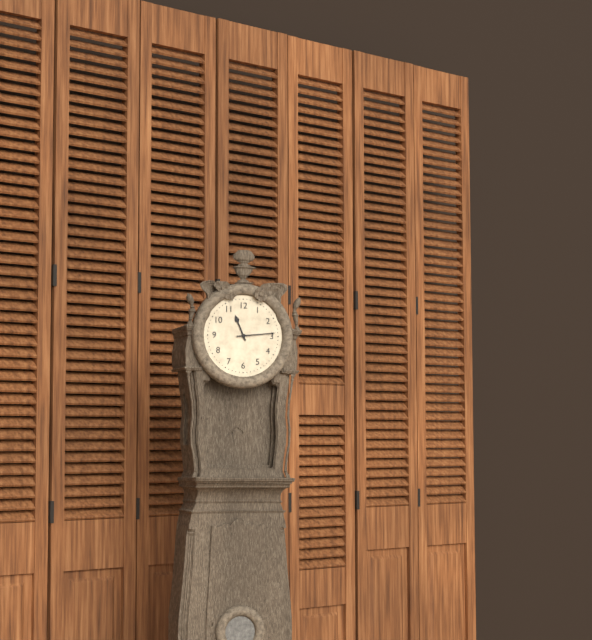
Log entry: 11:14
